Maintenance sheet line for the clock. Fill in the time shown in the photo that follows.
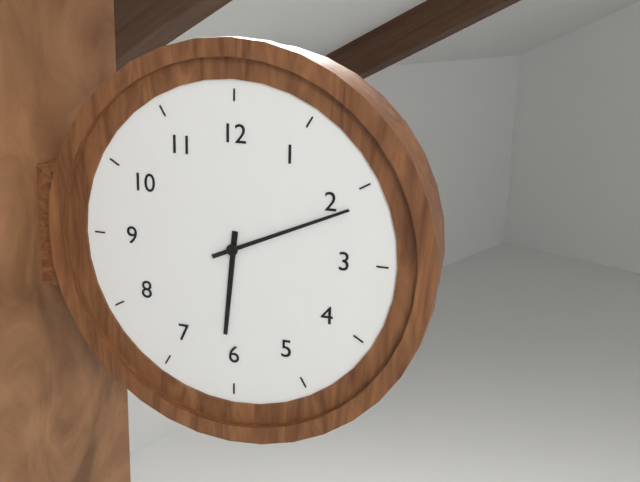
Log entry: 6:11
